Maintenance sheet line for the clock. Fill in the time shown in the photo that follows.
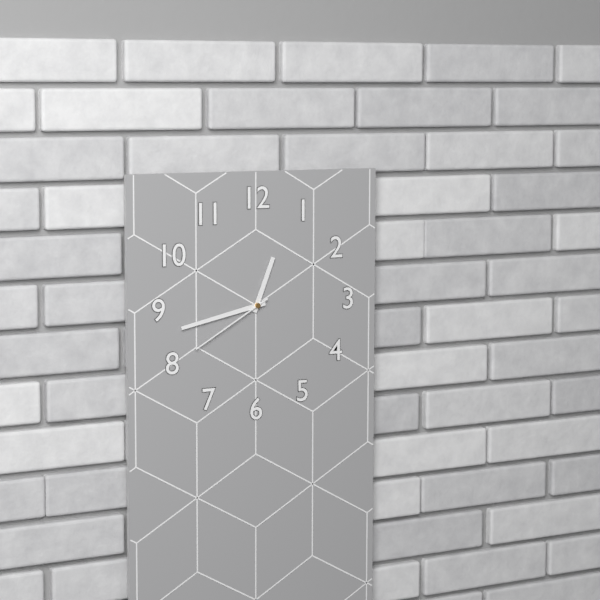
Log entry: 12:43:40
